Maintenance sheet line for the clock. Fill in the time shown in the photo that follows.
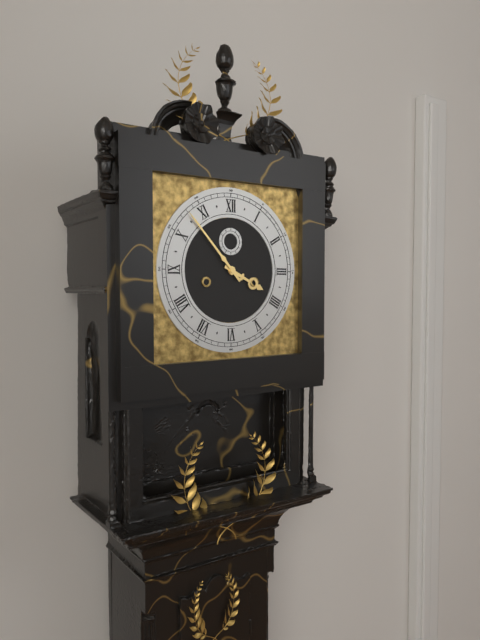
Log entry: 3:53
